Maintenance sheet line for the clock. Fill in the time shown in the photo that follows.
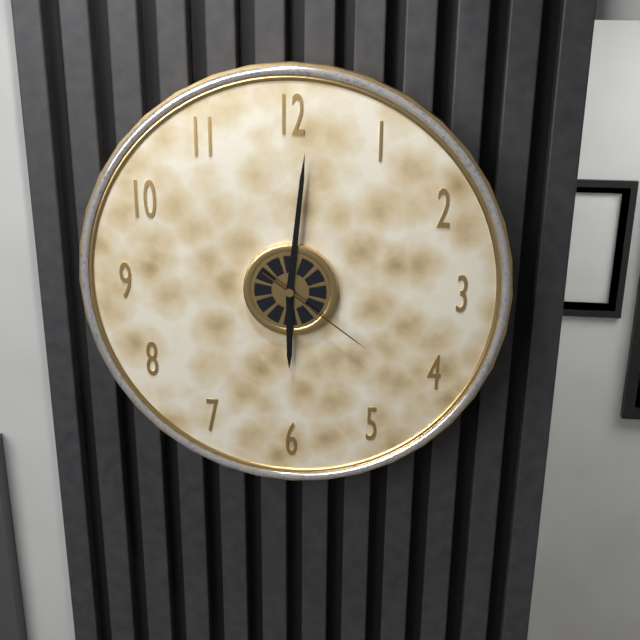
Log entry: 6:01:21
